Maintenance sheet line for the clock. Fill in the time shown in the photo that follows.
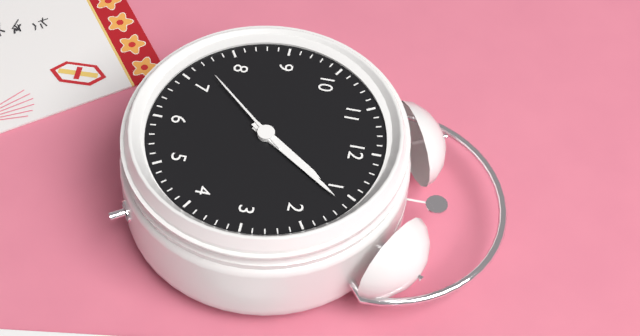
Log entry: 1:06:37
